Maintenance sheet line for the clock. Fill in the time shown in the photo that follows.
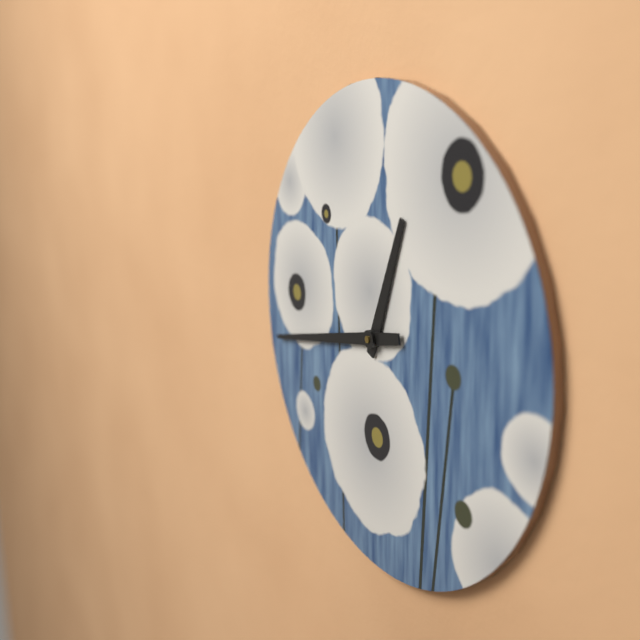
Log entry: 12:43
